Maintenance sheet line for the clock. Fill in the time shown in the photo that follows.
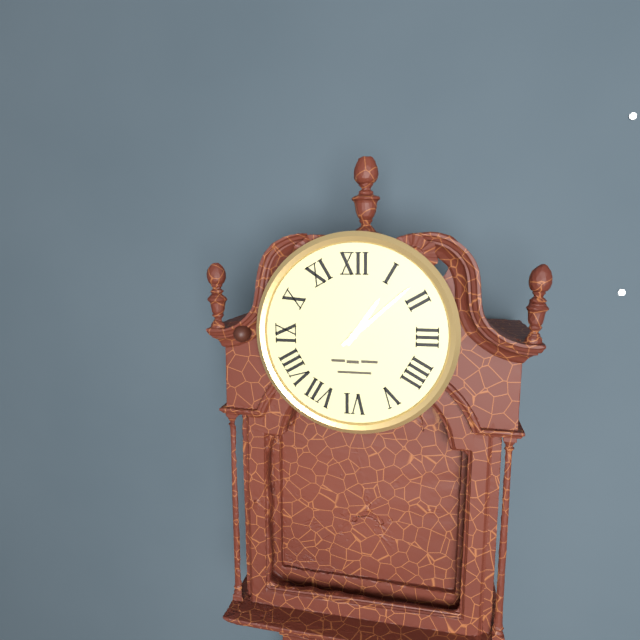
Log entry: 1:08
